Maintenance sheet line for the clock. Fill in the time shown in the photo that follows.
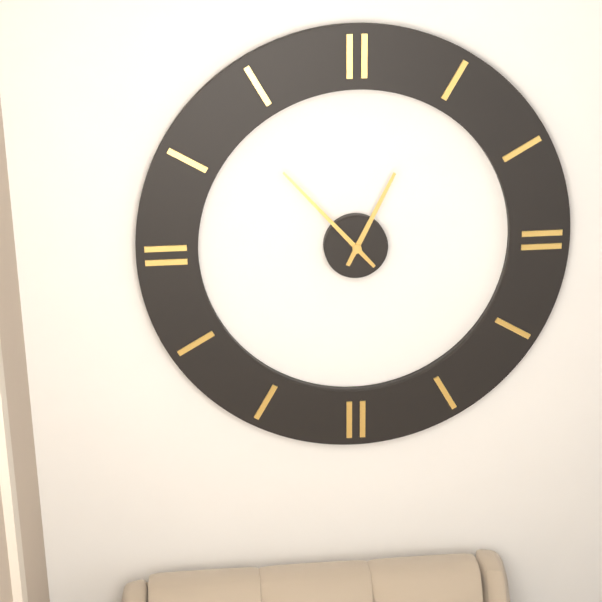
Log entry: 12:53
